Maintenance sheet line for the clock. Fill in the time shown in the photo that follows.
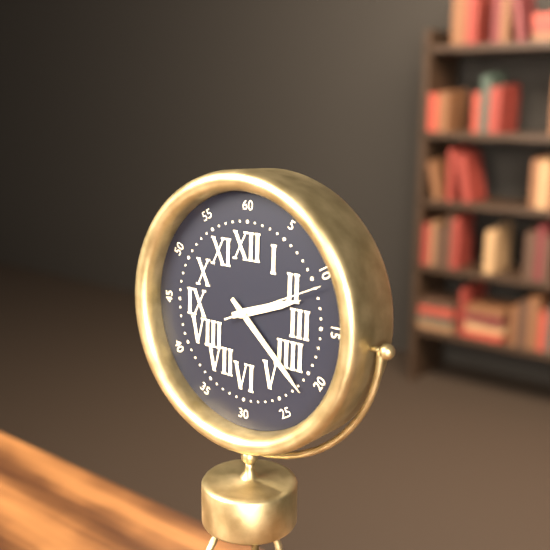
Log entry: 2:22:11
